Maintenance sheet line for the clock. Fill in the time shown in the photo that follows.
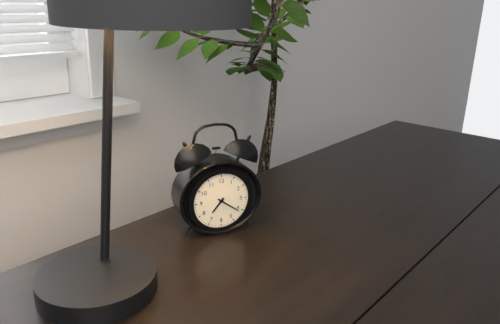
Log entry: 7:21
